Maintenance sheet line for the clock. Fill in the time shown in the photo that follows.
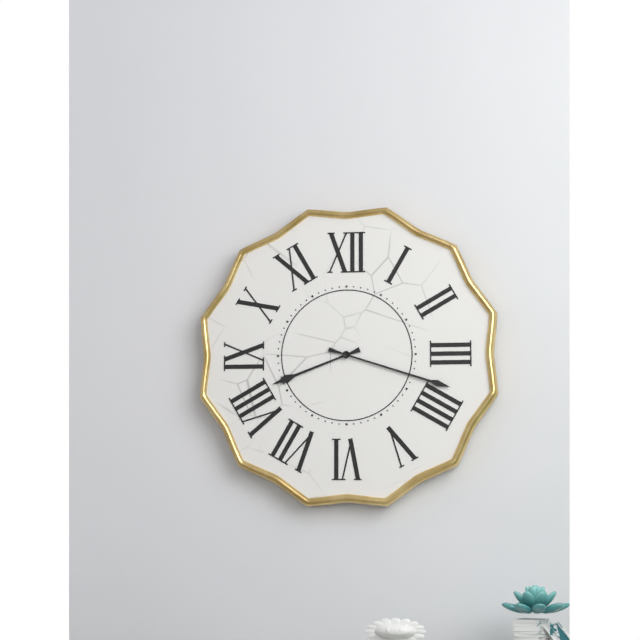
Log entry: 8:18
